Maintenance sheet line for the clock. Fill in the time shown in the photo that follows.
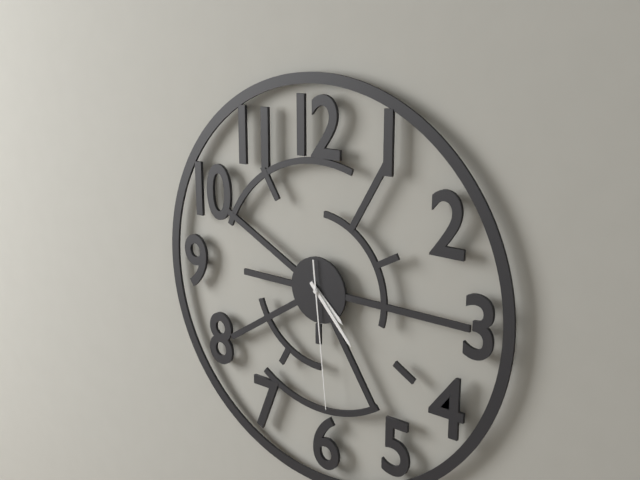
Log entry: 4:23:29
